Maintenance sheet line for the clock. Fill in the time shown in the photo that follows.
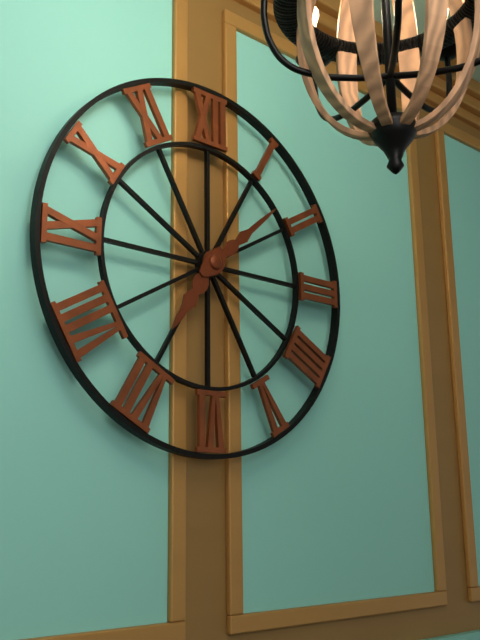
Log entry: 7:08
